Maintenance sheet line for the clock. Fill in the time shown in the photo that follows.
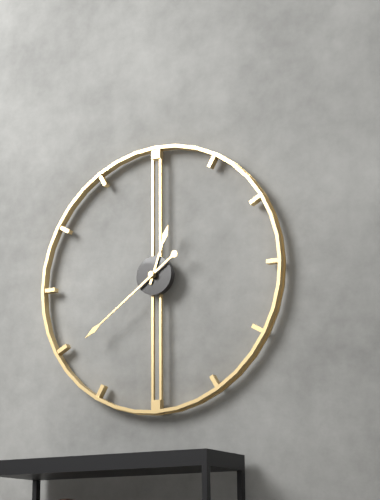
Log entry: 12:39
